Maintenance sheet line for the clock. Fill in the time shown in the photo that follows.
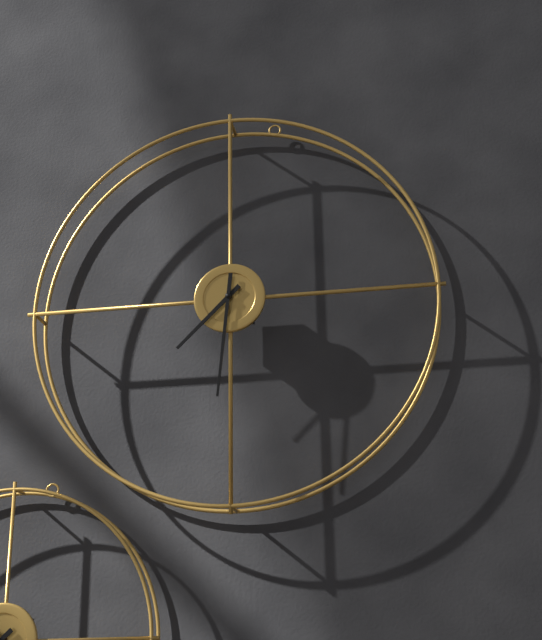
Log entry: 7:31
